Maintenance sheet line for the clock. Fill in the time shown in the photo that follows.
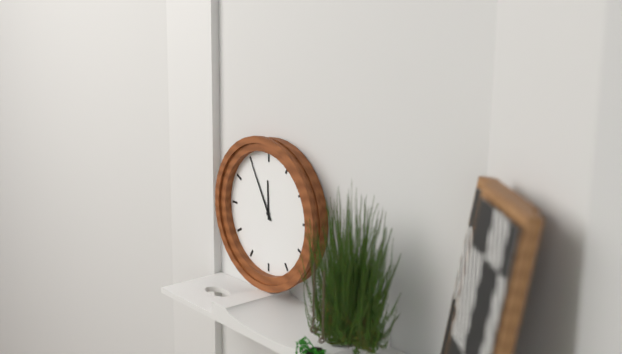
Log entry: 11:55
